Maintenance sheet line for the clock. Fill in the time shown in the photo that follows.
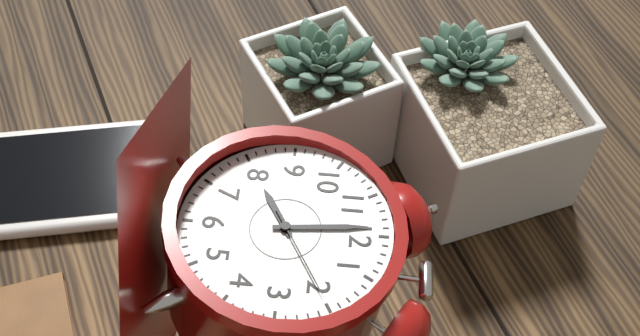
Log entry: 7:59:10
